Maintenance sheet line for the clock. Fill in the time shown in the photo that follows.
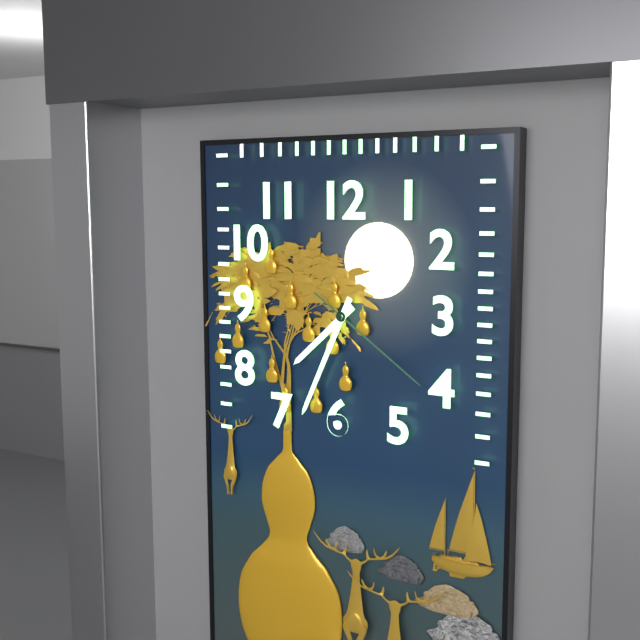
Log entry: 7:34:21
